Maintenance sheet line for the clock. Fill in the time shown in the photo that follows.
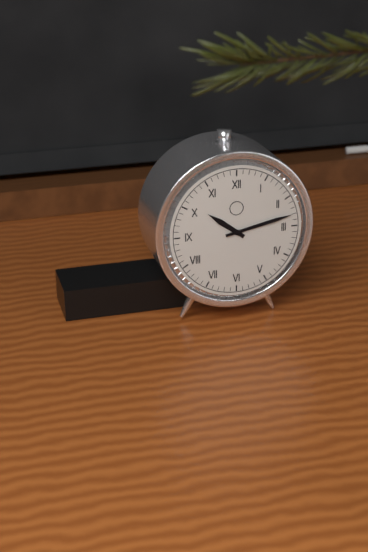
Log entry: 10:13
